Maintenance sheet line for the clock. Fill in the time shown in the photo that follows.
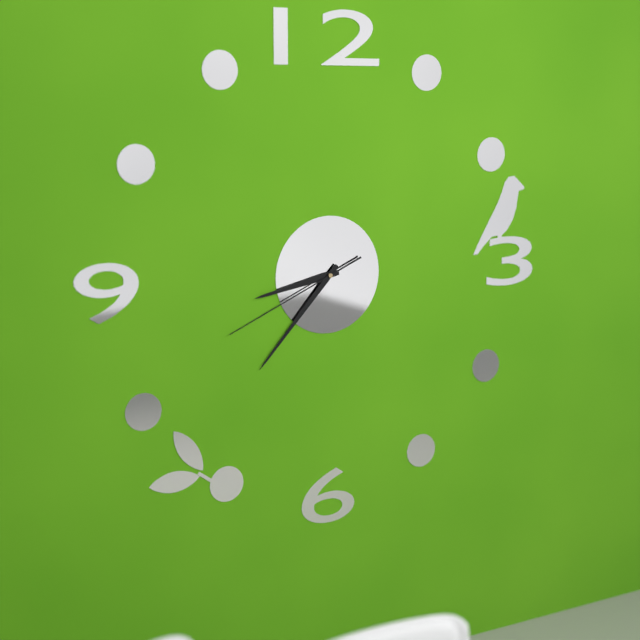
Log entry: 8:37:41
